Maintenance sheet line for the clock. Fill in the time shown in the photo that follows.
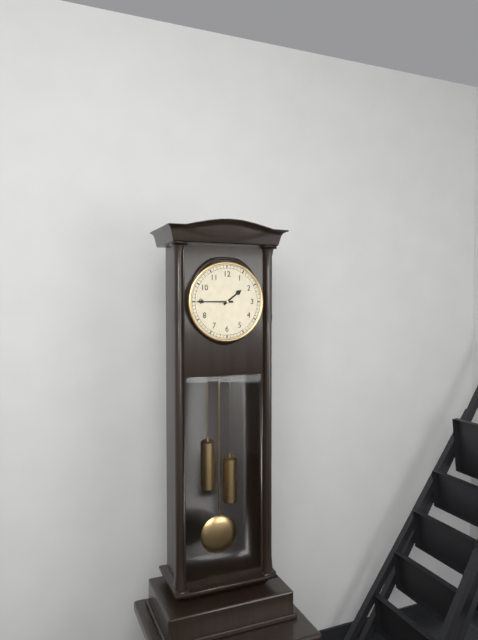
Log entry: 1:45
